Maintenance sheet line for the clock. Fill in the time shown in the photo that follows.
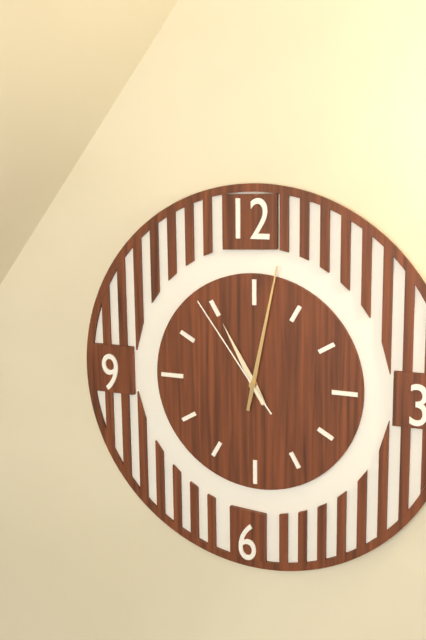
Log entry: 11:02:54
